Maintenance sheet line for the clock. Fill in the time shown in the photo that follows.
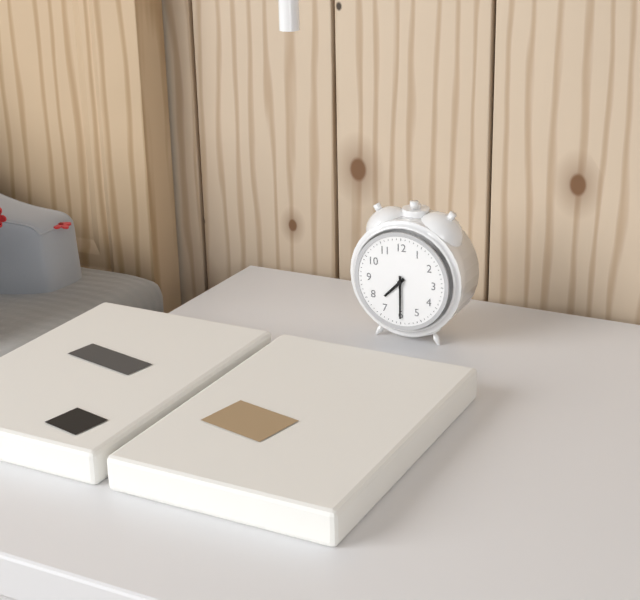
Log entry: 7:30
